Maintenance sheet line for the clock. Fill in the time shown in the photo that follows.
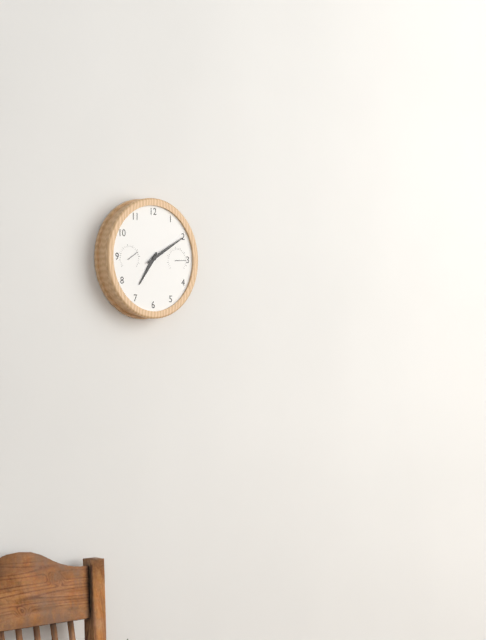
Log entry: 7:10
